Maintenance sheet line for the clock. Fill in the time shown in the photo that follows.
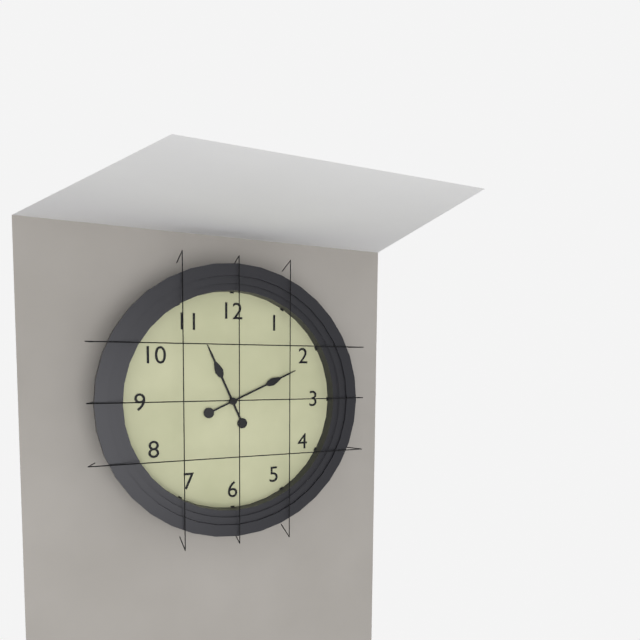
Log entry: 11:11
